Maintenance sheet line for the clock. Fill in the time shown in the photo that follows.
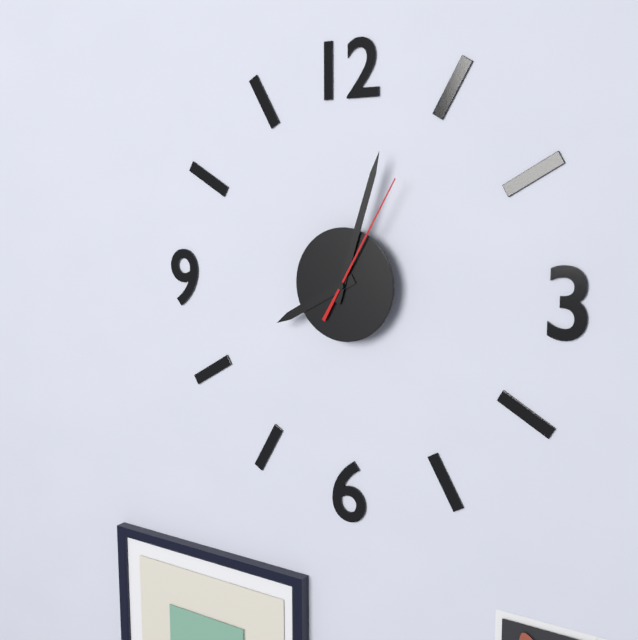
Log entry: 8:03:05
